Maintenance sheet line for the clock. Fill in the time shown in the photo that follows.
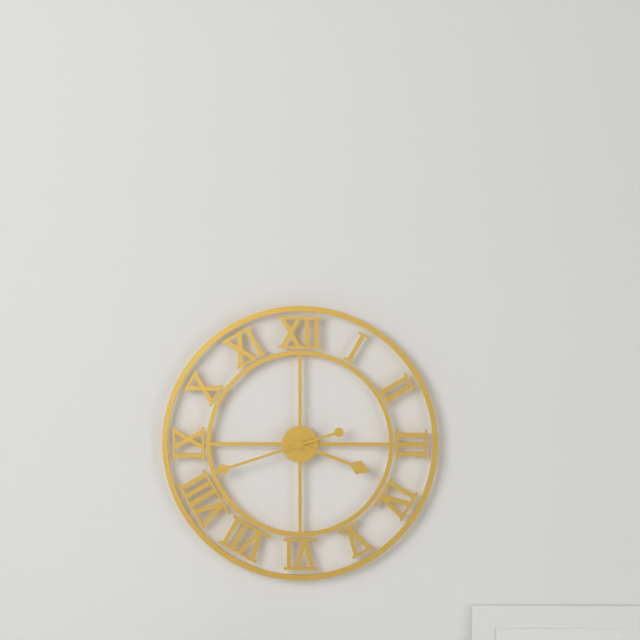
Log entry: 3:42
